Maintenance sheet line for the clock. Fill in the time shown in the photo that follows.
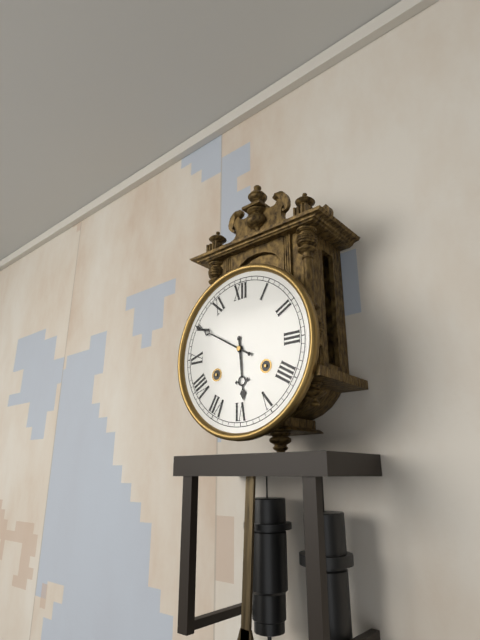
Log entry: 5:50
